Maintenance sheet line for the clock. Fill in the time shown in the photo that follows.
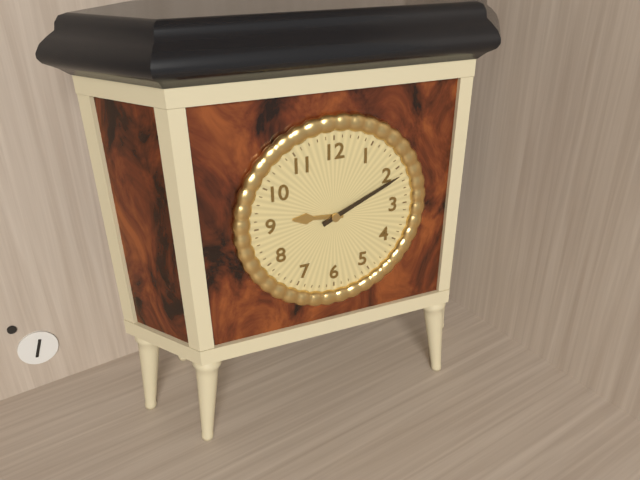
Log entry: 9:11
